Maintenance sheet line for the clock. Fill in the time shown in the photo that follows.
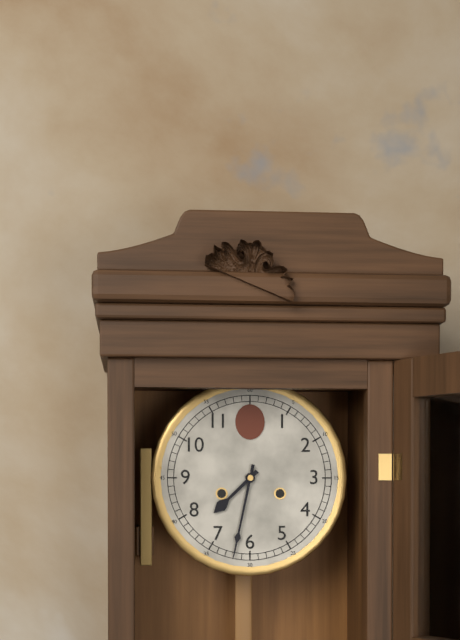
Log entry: 7:32
